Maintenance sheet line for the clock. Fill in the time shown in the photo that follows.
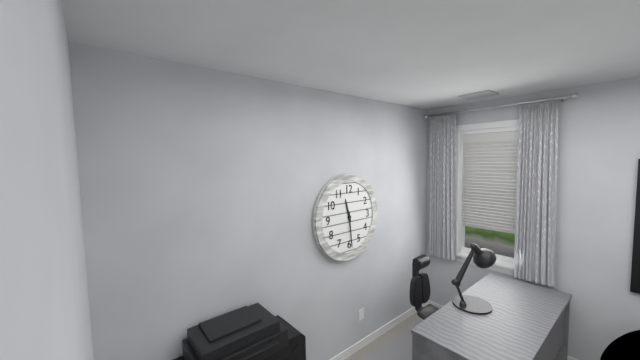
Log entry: 11:29
